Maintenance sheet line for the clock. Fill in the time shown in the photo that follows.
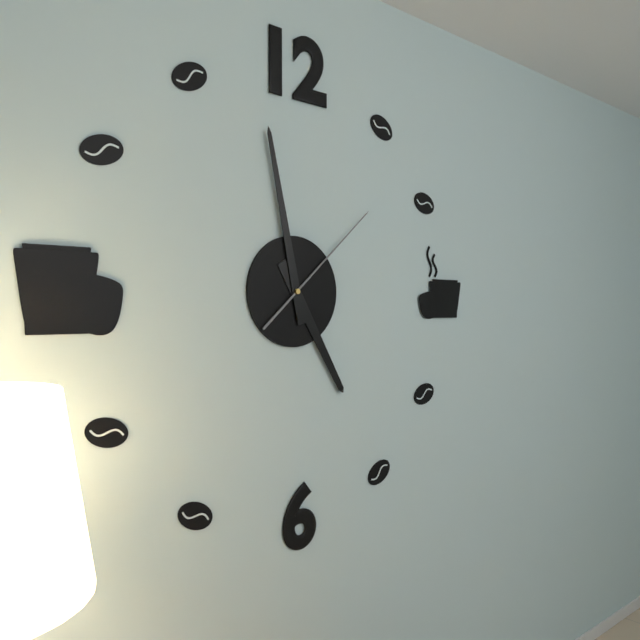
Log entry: 4:58:08
